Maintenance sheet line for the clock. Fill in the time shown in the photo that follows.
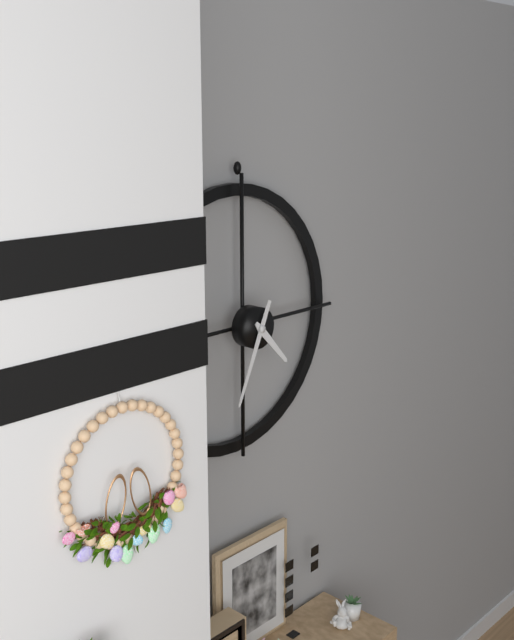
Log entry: 4:34
